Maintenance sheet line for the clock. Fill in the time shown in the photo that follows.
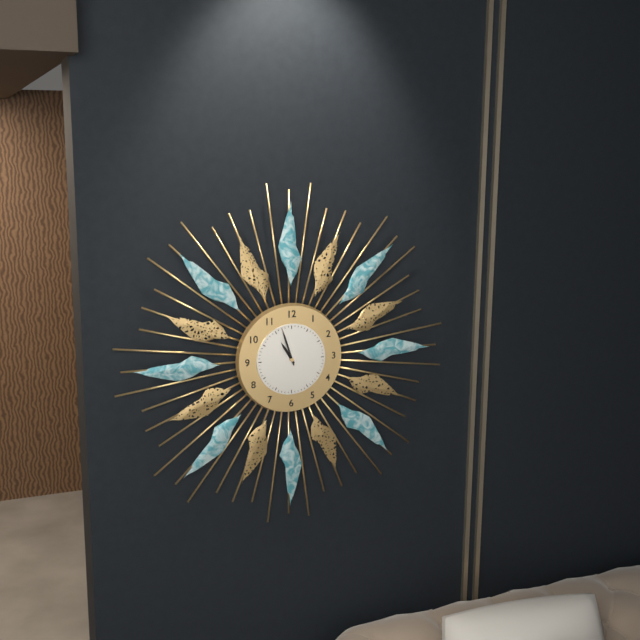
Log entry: 10:57
